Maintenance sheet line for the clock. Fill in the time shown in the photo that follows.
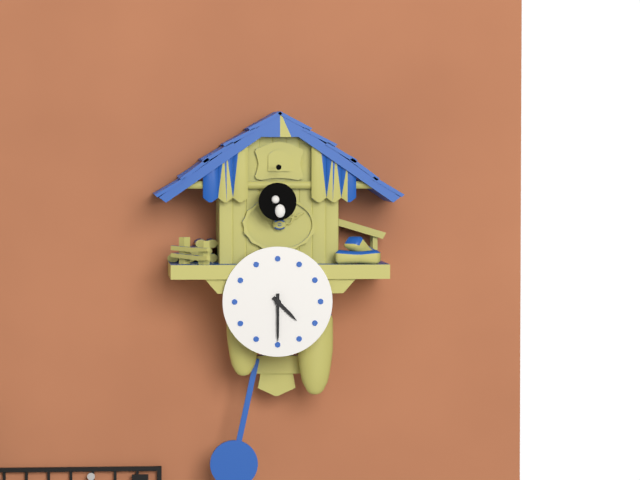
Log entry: 4:30
